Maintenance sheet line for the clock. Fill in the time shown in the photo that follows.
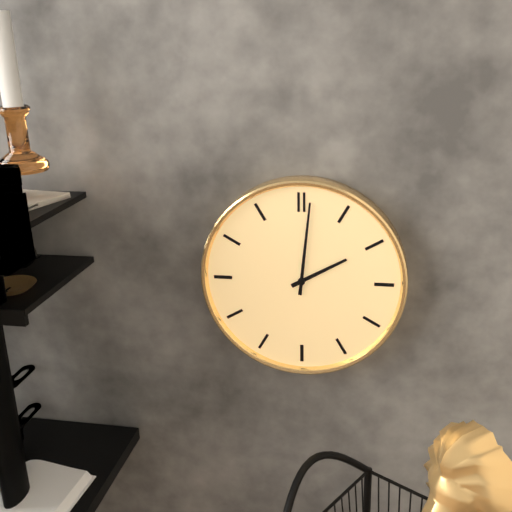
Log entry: 2:01
